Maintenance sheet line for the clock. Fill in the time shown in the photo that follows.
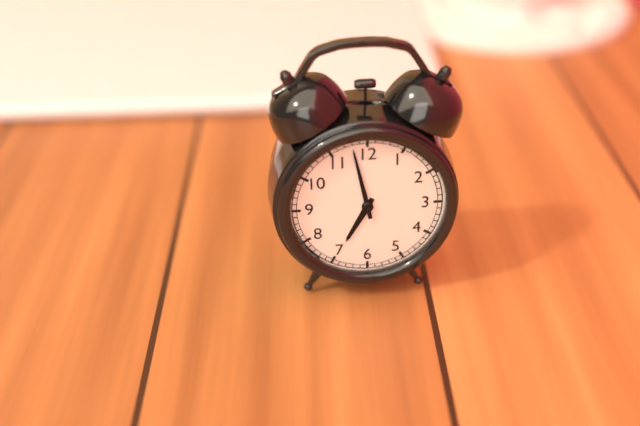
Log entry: 6:58
